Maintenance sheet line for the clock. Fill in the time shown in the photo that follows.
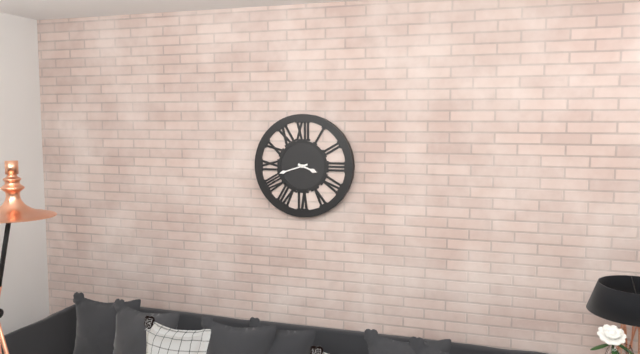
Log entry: 3:42
